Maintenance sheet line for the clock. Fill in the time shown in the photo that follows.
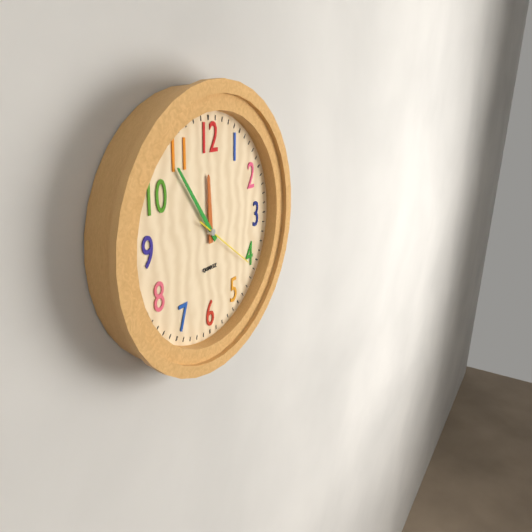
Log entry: 11:54:21
